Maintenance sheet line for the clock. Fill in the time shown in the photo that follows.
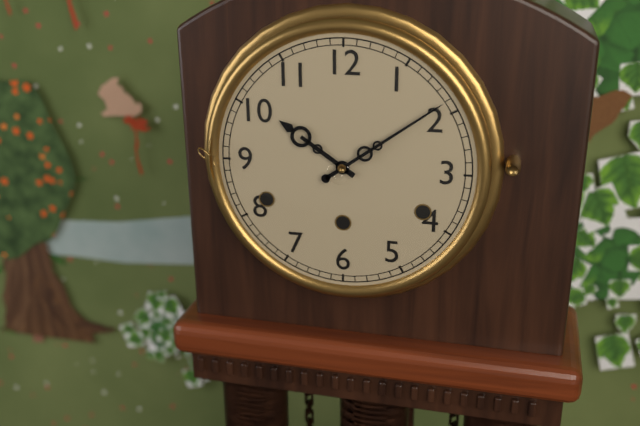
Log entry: 10:09
